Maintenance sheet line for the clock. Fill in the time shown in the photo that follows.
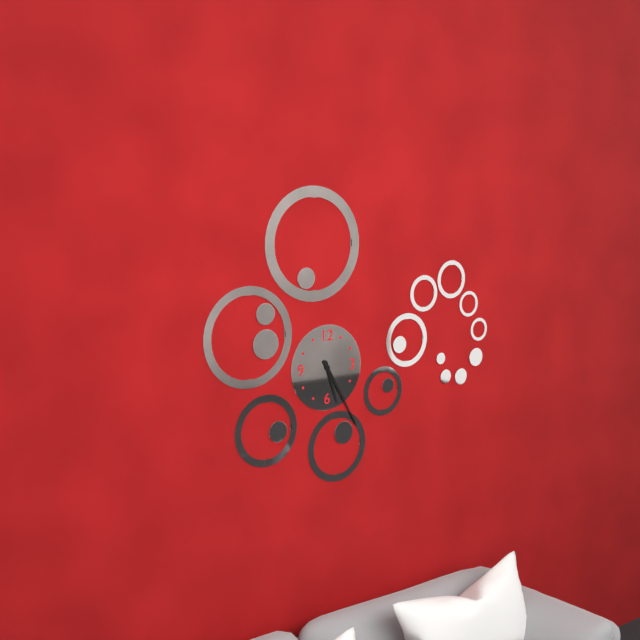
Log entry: 5:25
